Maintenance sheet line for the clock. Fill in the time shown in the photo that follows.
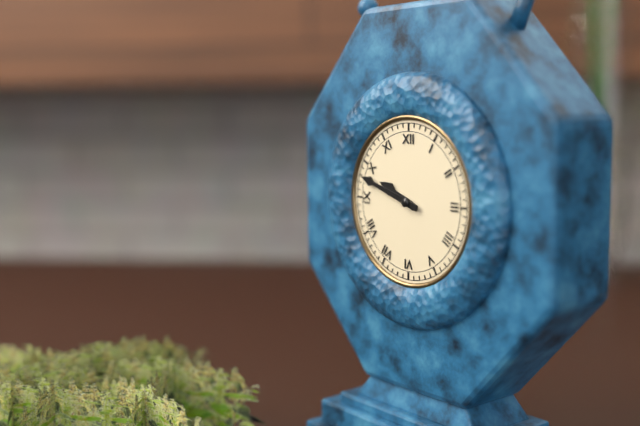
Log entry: 9:48
